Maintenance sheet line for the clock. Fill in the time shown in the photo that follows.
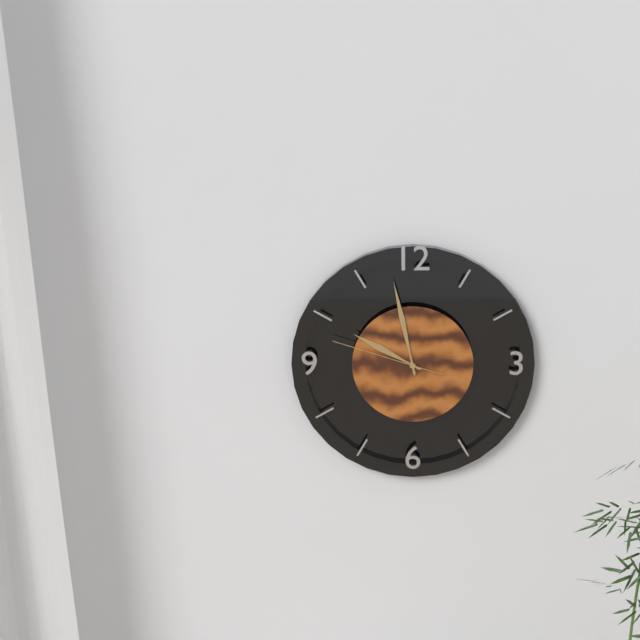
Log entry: 9:58:48
